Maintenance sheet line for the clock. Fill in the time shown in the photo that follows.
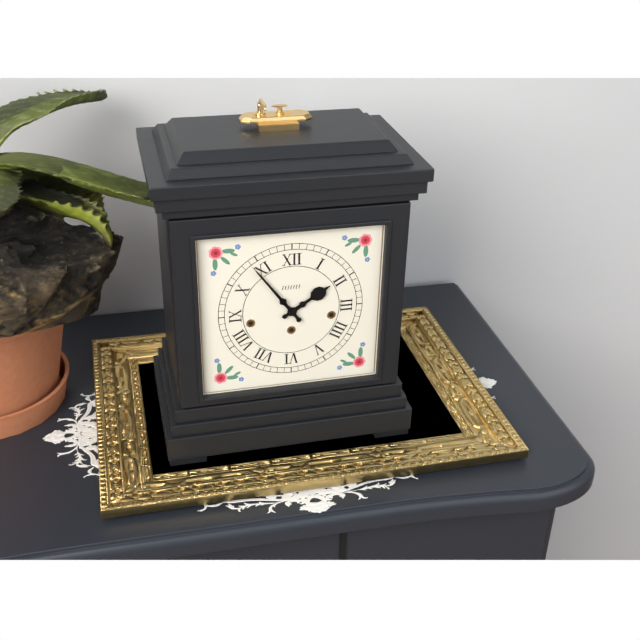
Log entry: 1:54
